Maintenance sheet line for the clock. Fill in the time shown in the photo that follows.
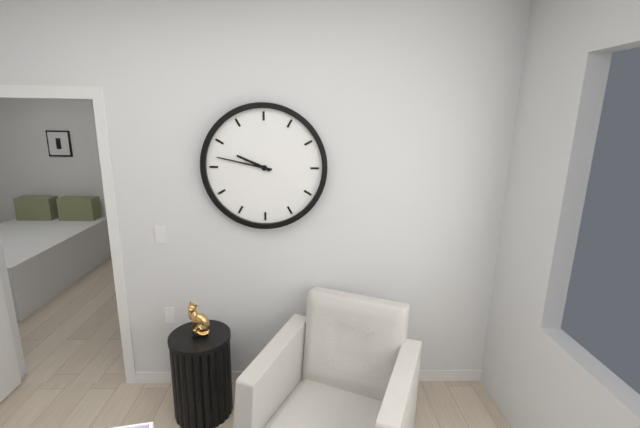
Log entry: 9:47
